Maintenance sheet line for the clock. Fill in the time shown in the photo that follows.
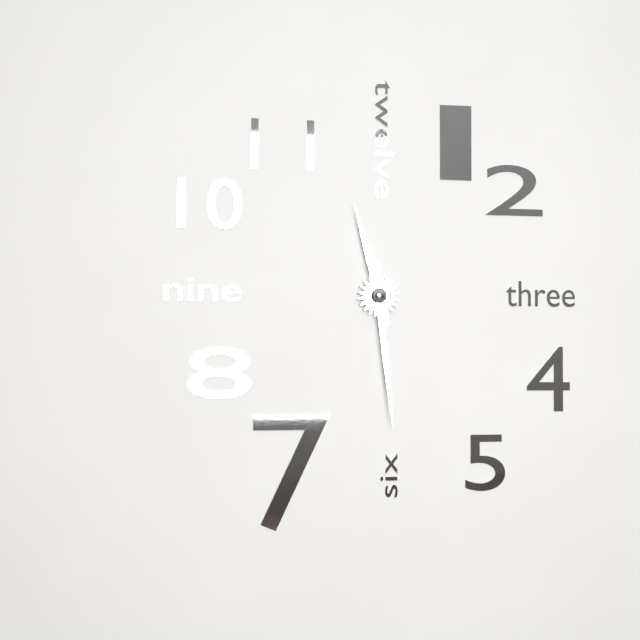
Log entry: 11:29
